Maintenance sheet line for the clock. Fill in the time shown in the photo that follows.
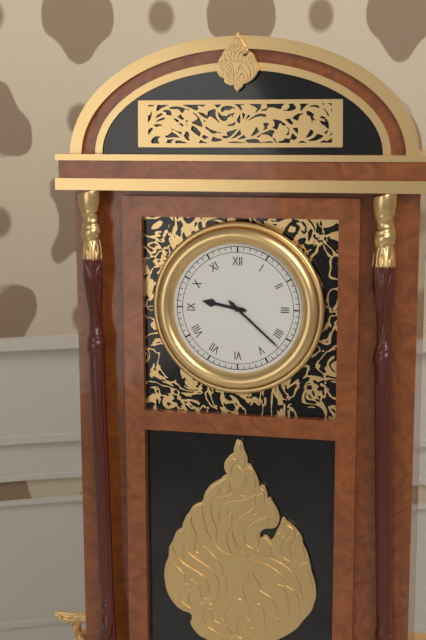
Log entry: 9:22
